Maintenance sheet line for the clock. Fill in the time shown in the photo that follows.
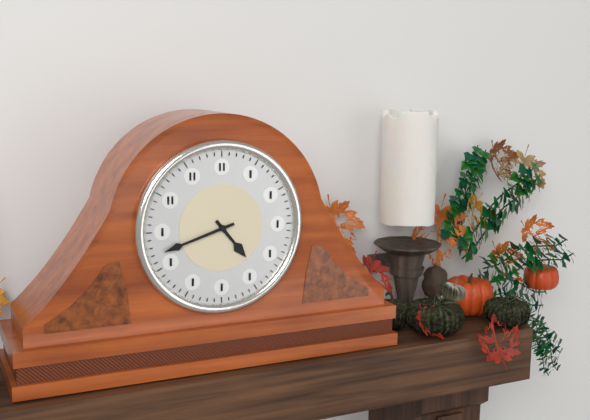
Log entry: 4:42
